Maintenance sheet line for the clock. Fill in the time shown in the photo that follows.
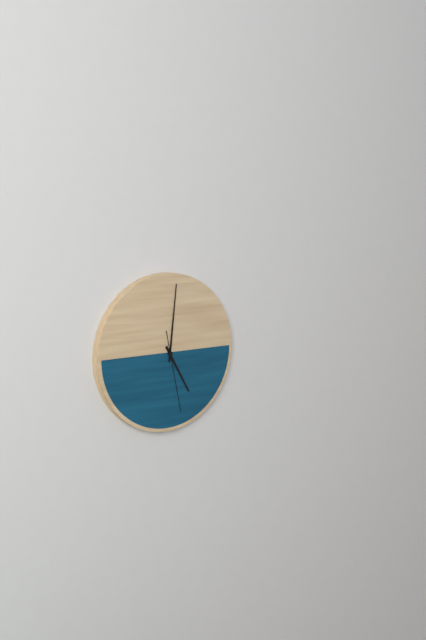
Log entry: 5:01:28
